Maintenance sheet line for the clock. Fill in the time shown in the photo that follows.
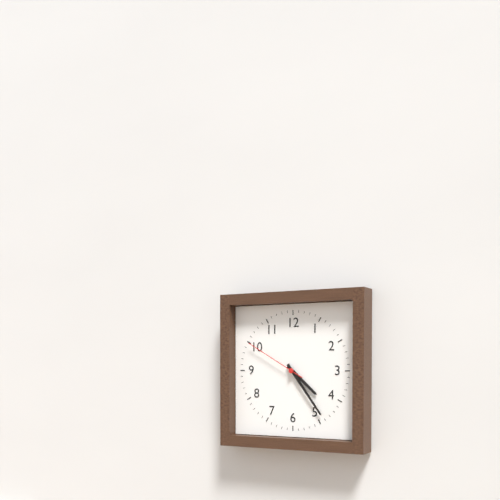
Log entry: 4:24:50
